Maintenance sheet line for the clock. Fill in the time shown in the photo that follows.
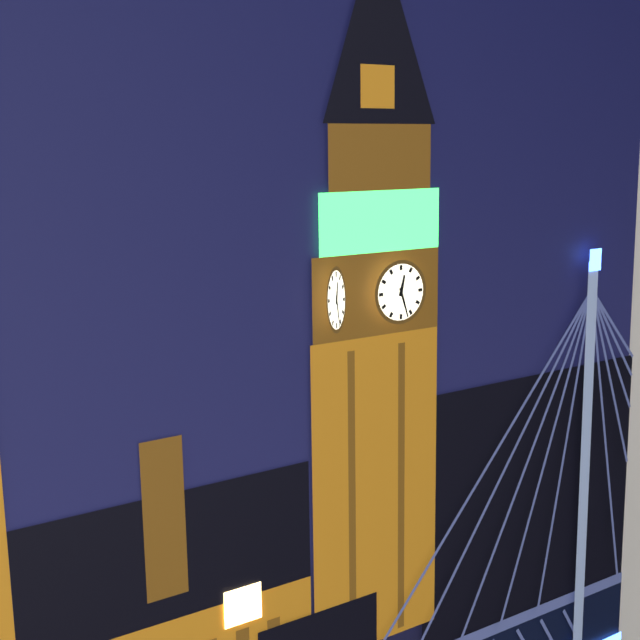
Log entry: 12:27
